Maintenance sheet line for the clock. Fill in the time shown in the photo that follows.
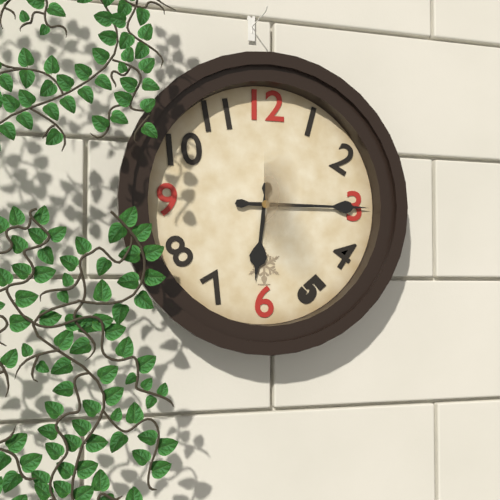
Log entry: 6:15
